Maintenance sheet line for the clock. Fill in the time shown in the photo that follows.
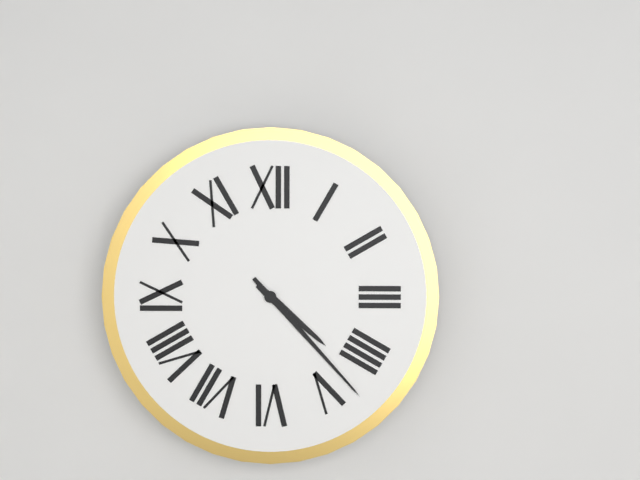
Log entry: 4:23
